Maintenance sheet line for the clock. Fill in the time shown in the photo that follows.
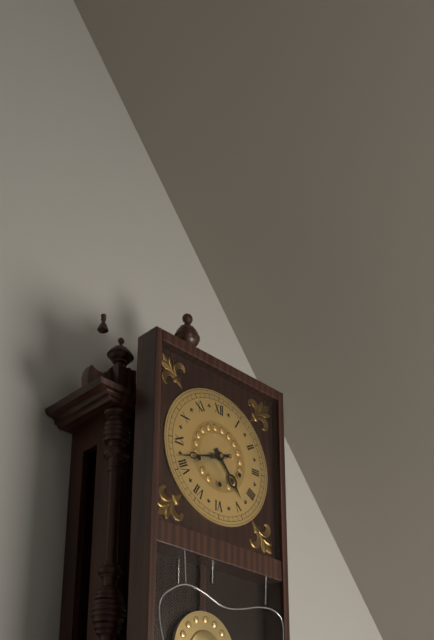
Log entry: 4:42
